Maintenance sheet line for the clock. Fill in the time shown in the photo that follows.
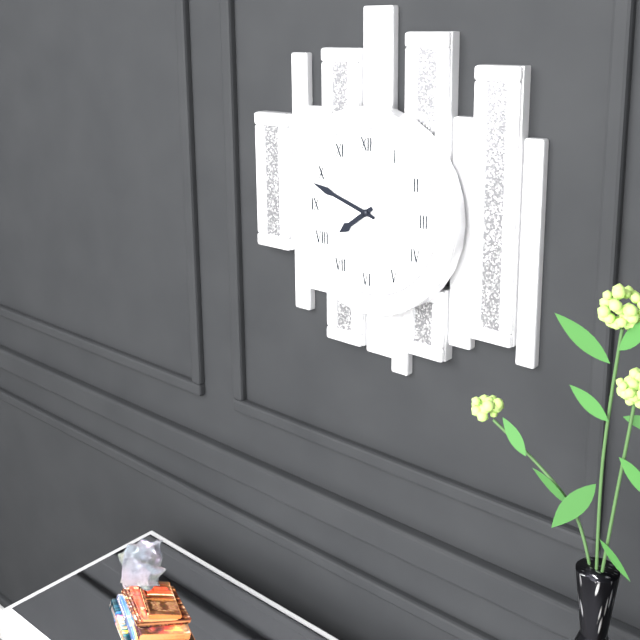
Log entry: 7:48
